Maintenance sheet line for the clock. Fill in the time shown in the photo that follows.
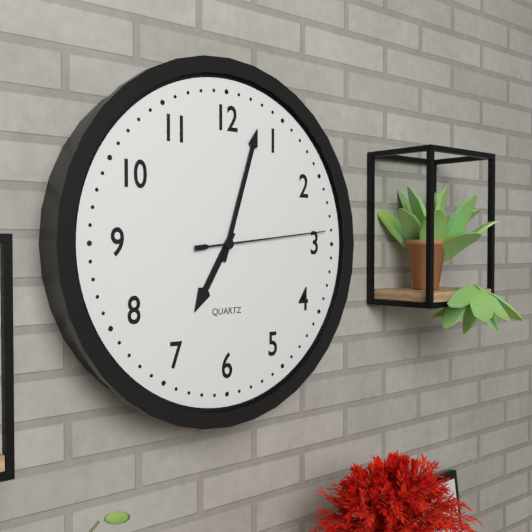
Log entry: 7:03:14
